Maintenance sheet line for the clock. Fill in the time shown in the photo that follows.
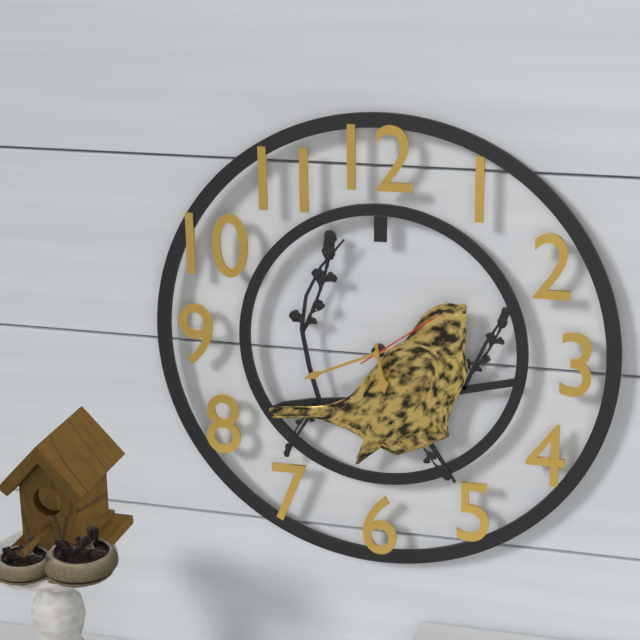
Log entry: 5:41:09
